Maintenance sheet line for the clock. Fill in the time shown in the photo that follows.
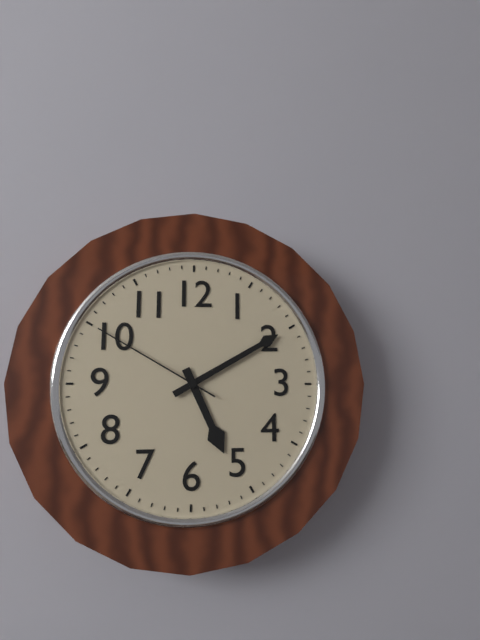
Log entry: 5:10:50
